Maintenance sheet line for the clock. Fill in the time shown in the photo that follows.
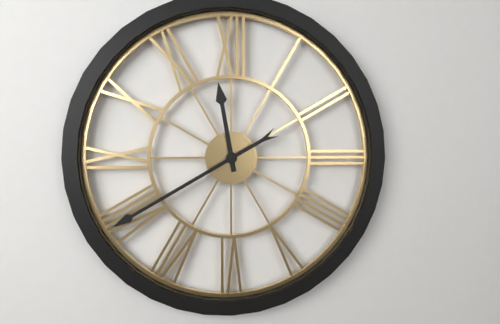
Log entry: 11:40
